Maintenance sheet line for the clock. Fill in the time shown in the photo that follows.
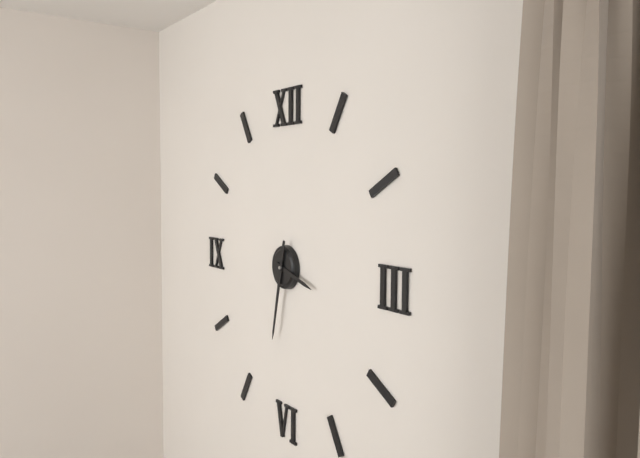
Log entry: 3:32
